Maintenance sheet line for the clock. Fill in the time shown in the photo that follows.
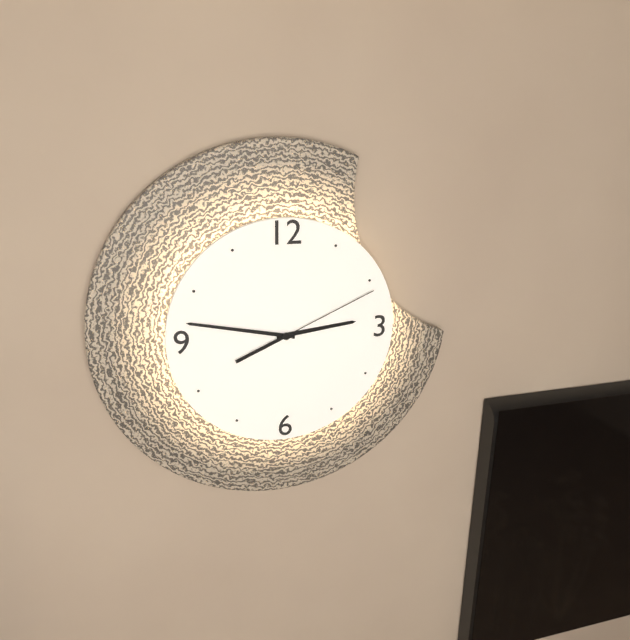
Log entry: 2:47:11
